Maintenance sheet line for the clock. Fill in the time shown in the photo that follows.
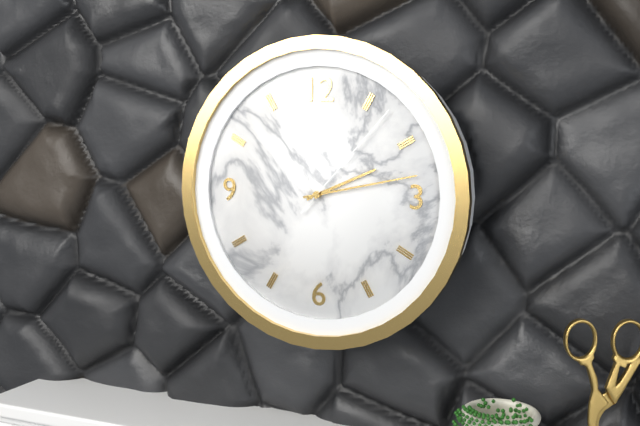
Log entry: 2:13:07
